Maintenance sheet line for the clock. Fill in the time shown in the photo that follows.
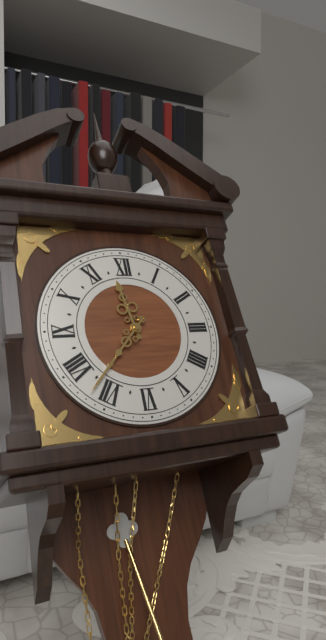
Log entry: 11:37
